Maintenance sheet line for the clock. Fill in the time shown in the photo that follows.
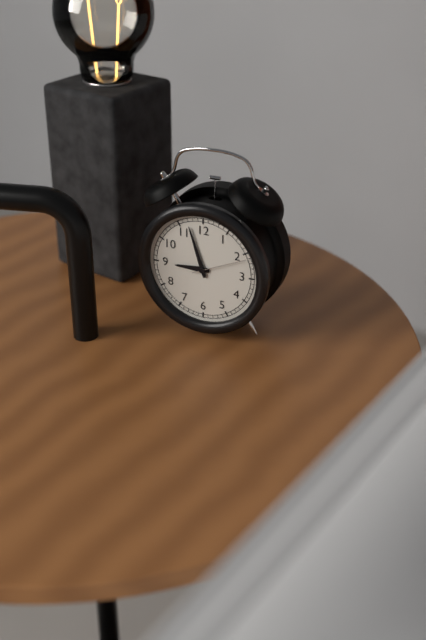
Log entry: 8:57:11
